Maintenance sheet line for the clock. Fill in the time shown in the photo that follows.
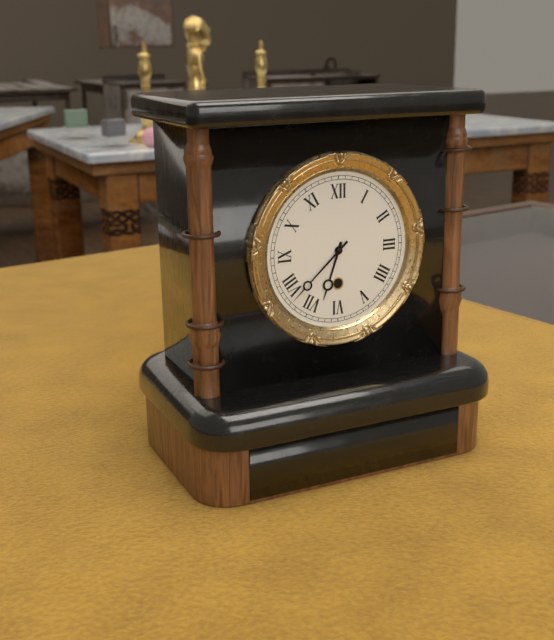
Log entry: 6:38
